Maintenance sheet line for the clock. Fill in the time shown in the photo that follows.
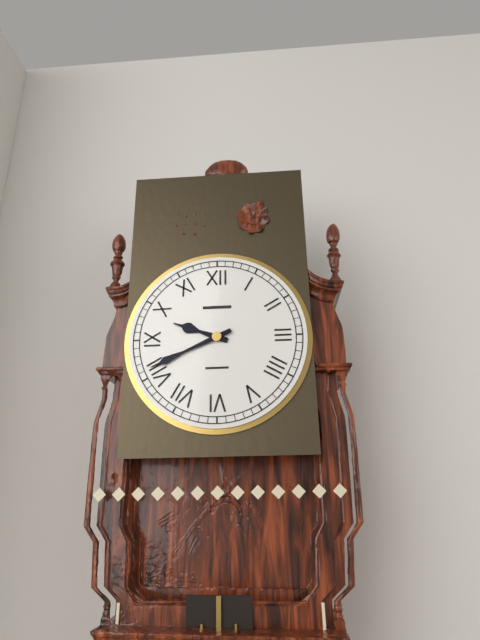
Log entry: 9:41
